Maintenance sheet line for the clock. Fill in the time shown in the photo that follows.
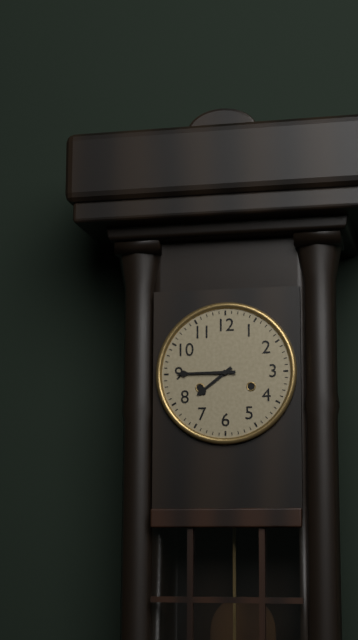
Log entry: 7:45
